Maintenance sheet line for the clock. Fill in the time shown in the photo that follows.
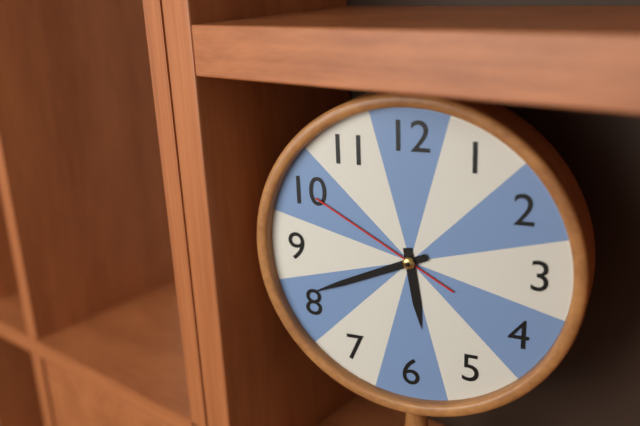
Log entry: 5:41:50
